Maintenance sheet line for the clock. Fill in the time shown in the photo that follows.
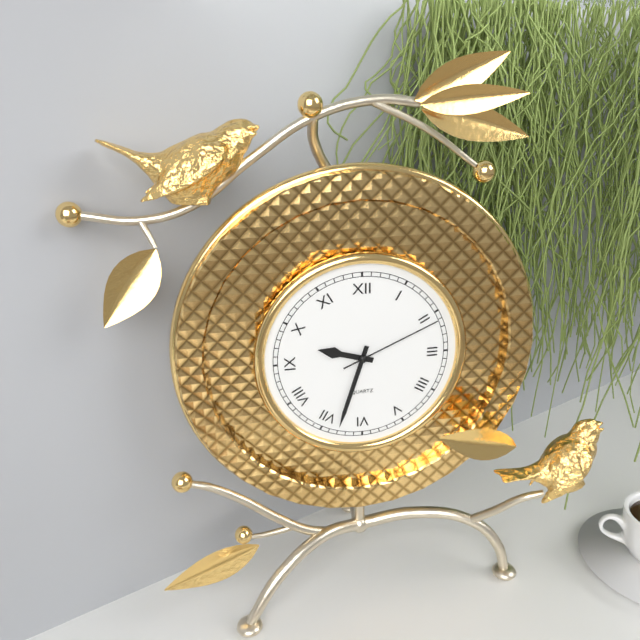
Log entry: 9:33:11
